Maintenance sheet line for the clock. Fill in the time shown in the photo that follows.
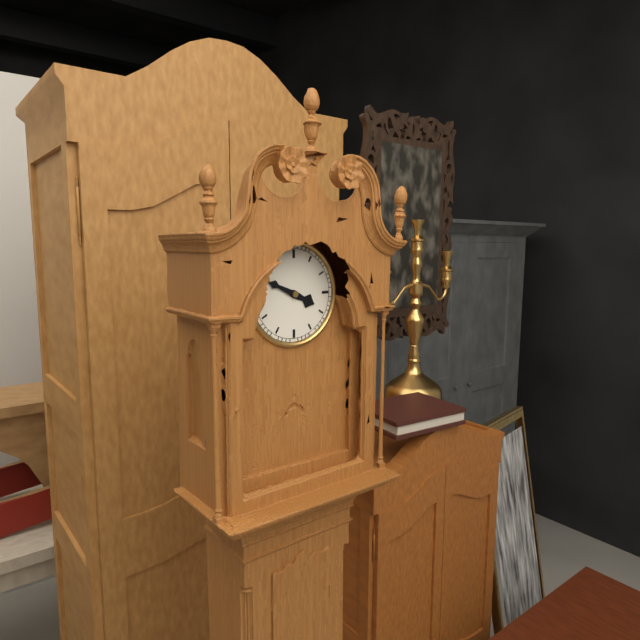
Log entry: 3:49
